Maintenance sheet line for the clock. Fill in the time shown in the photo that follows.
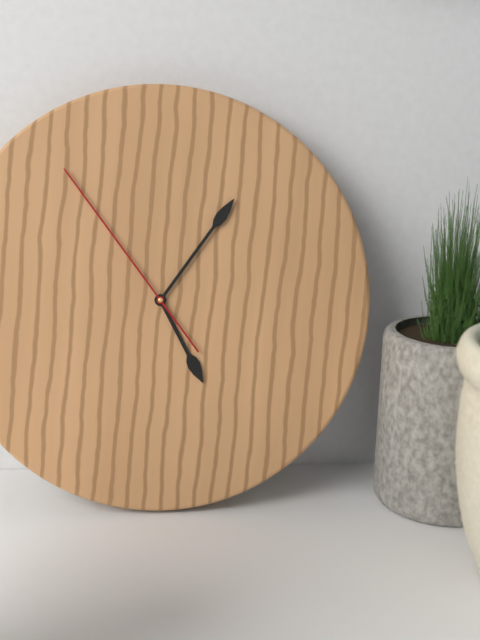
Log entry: 5:06:54
